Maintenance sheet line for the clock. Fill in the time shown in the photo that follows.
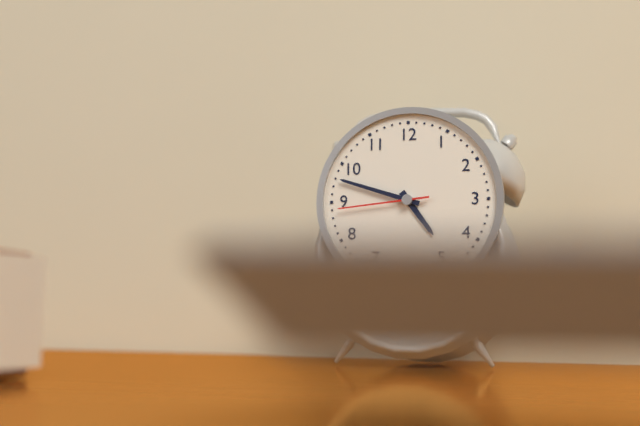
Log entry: 4:48:44
